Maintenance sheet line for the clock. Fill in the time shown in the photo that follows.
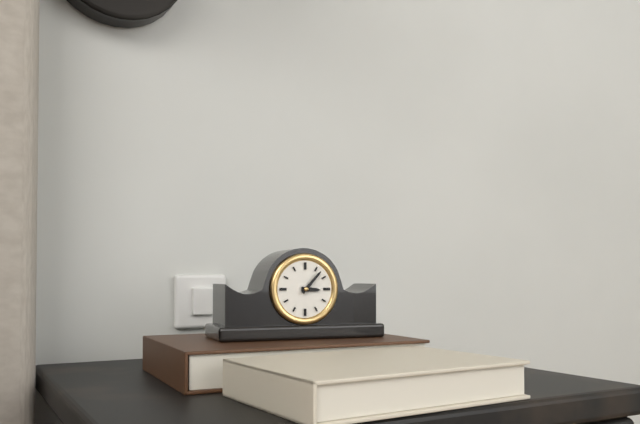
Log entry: 3:07
